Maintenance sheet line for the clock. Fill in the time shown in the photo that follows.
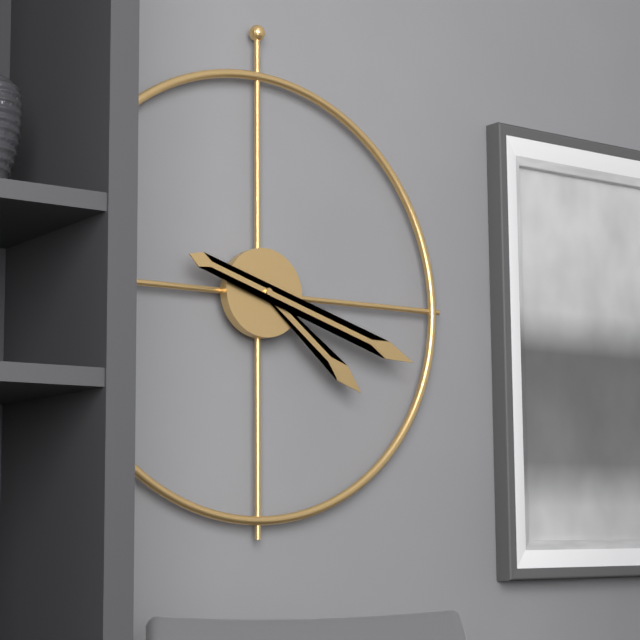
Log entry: 4:18
